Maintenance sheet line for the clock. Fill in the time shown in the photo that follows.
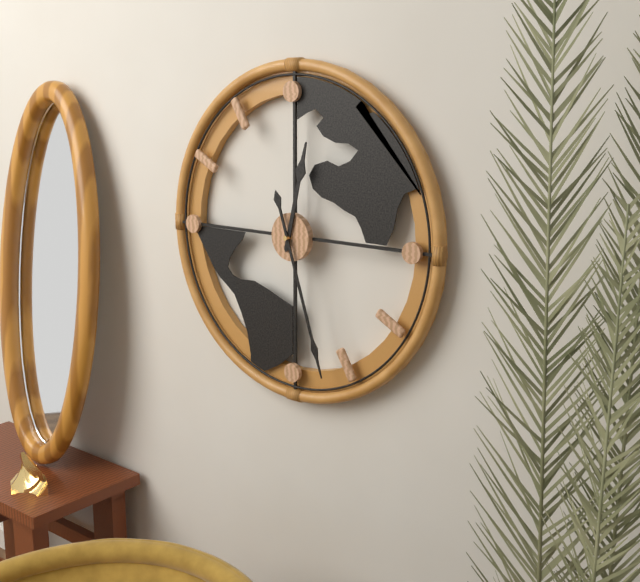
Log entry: 12:27
